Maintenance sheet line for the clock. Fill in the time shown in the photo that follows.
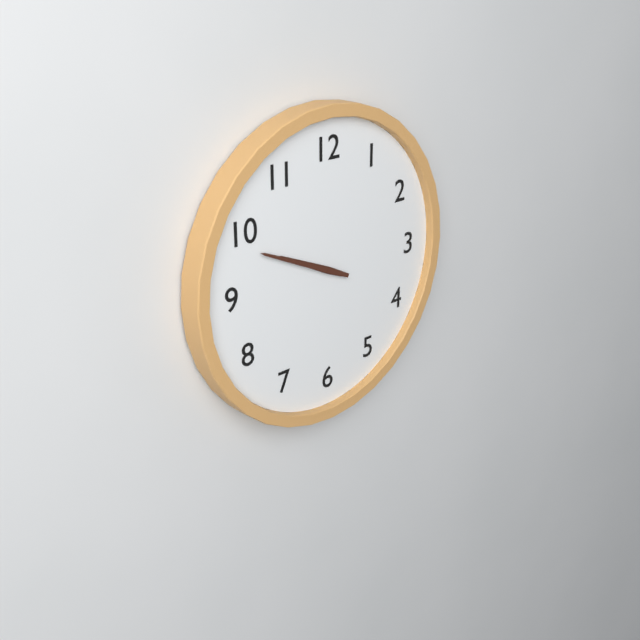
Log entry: 9:49
